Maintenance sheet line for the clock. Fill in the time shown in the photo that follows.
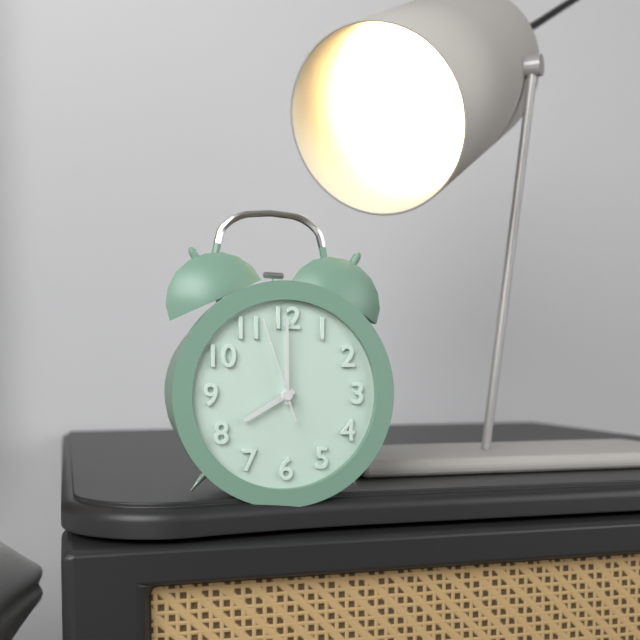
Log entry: 8:00:57
